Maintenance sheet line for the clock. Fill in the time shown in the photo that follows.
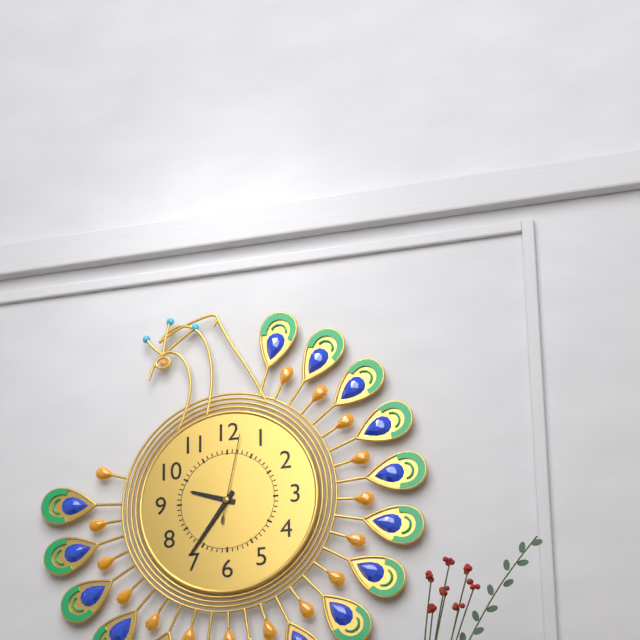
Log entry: 9:36:02
